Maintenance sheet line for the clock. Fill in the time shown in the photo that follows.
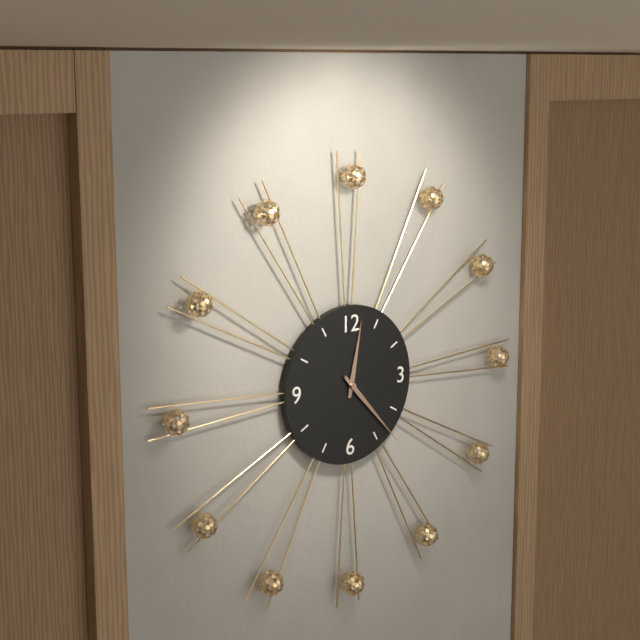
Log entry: 12:23
